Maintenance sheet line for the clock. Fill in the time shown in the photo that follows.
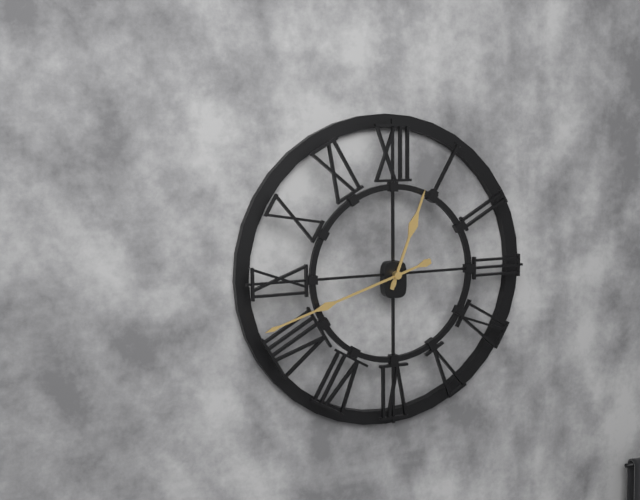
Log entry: 12:42
